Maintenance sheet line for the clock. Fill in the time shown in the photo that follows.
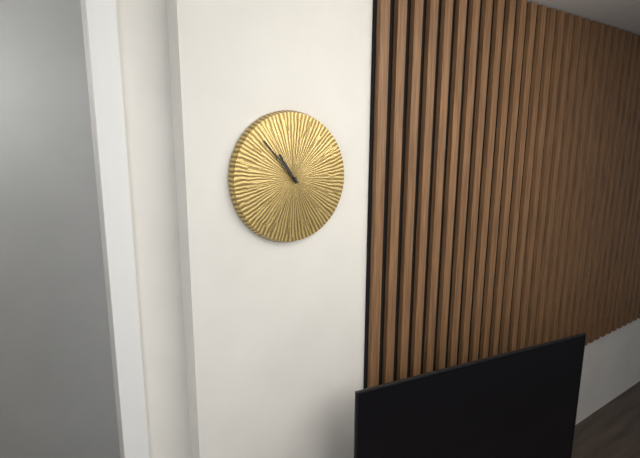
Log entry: 10:53
